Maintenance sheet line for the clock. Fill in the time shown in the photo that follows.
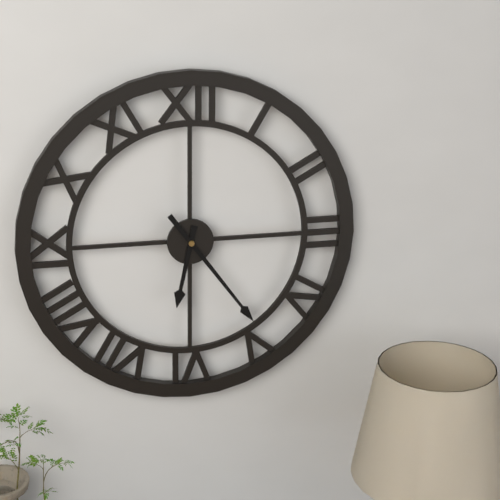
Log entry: 6:24
